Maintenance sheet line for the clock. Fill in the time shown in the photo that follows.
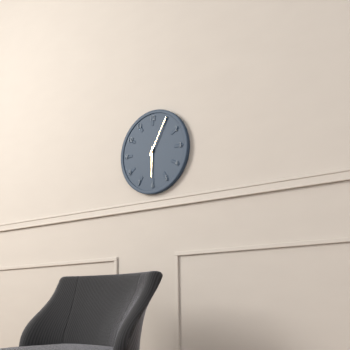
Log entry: 6:05
